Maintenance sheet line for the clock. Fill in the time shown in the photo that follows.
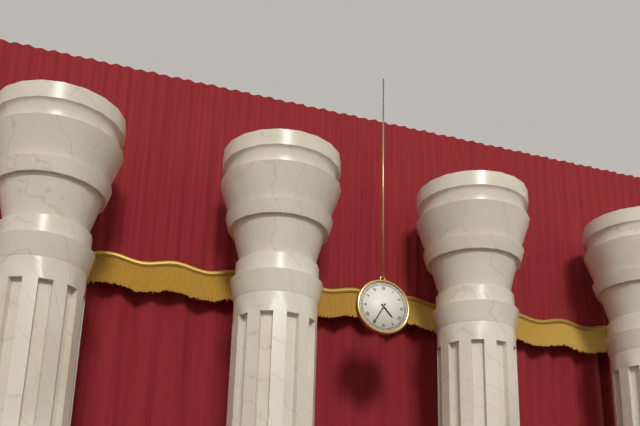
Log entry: 4:35
